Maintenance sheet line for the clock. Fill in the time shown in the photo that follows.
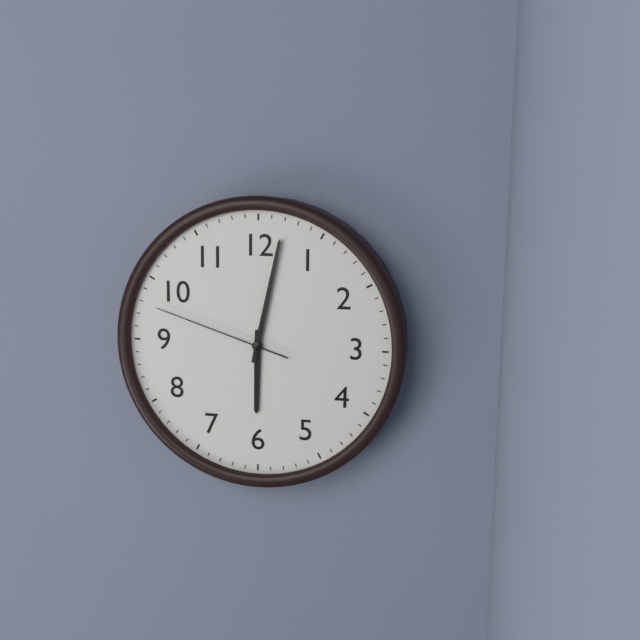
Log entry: 6:02:48
